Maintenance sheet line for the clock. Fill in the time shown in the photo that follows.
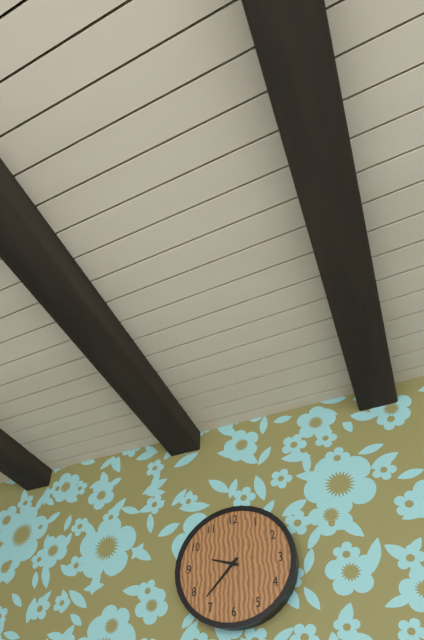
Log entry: 9:37
